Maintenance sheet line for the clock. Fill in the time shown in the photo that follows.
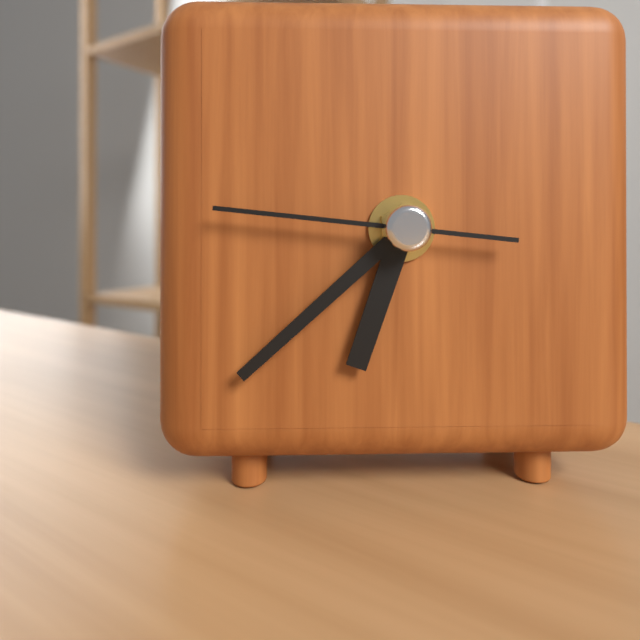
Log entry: 6:38:46
